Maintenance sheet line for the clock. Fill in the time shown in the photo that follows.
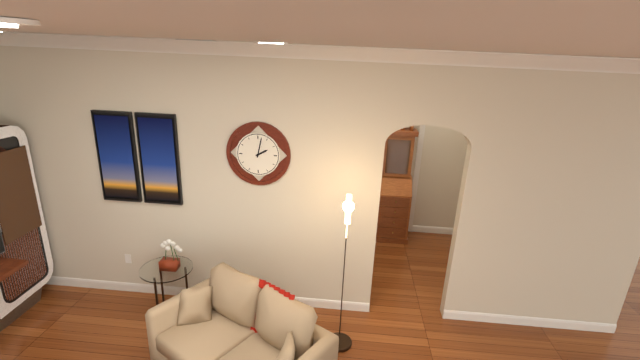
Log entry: 2:02
